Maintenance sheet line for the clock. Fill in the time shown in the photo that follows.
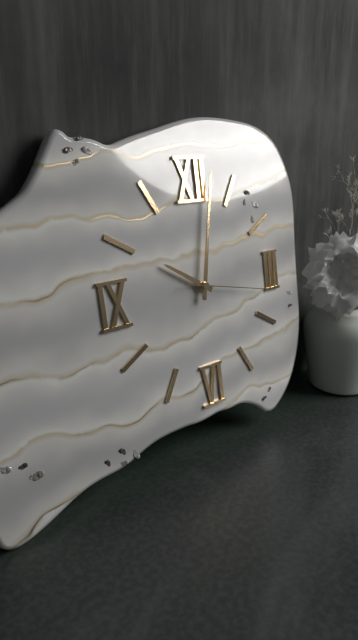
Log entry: 10:02:17
